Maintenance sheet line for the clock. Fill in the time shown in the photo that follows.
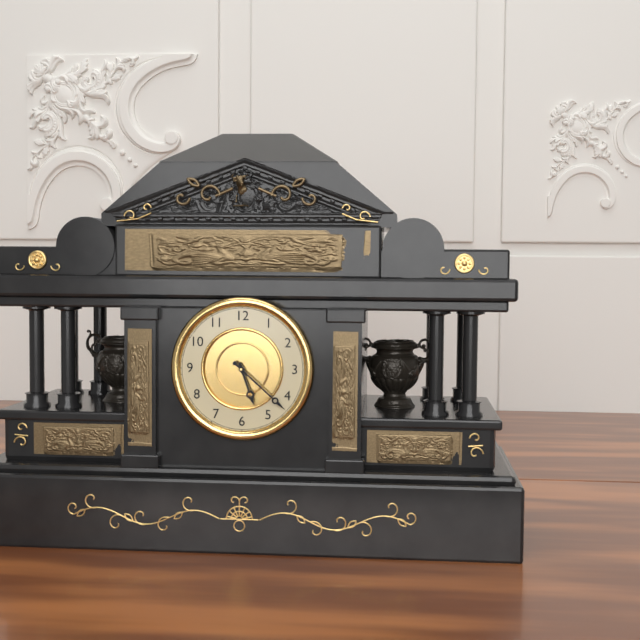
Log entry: 5:22
